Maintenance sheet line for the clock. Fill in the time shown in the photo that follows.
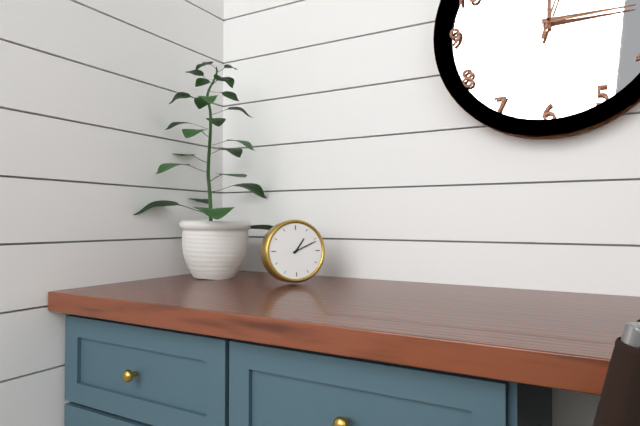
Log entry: 1:11
